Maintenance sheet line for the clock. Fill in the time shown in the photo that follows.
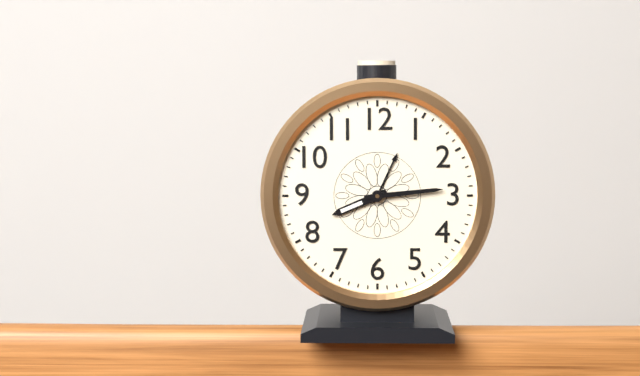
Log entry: 8:14
